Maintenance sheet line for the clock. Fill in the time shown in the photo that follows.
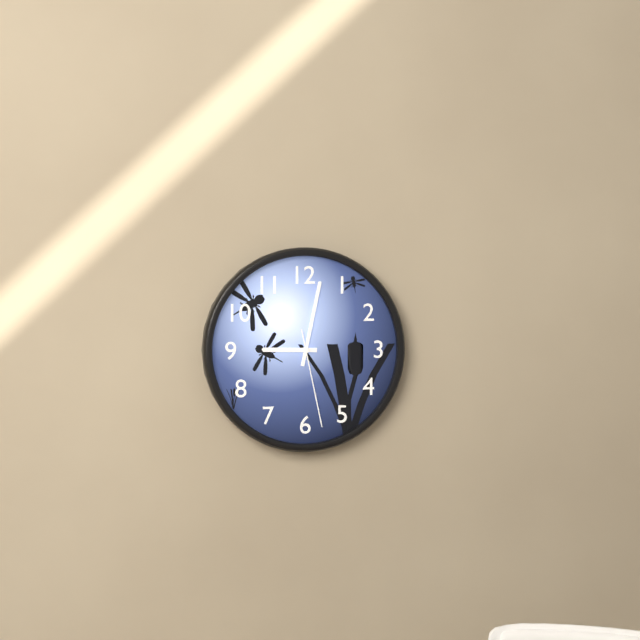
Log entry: 9:02:28
